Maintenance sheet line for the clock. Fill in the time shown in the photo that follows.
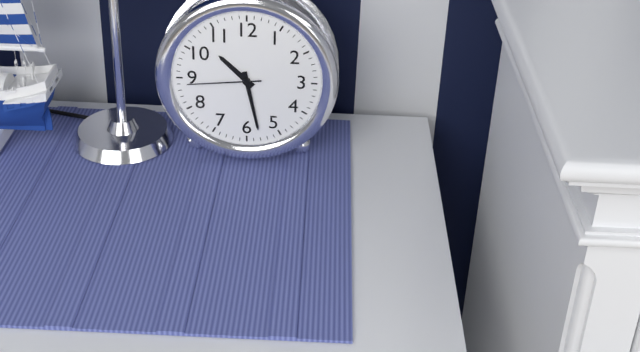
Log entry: 10:28:44
